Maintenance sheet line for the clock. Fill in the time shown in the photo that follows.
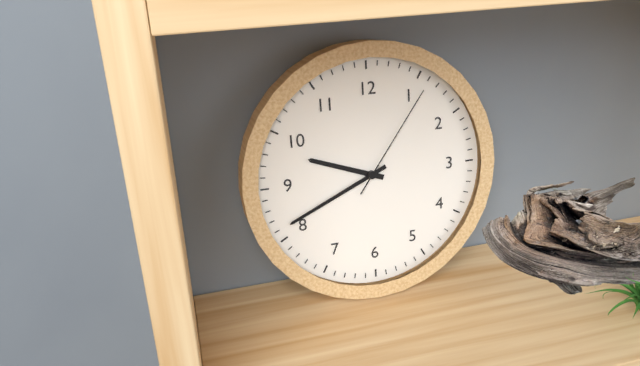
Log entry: 9:41:06
